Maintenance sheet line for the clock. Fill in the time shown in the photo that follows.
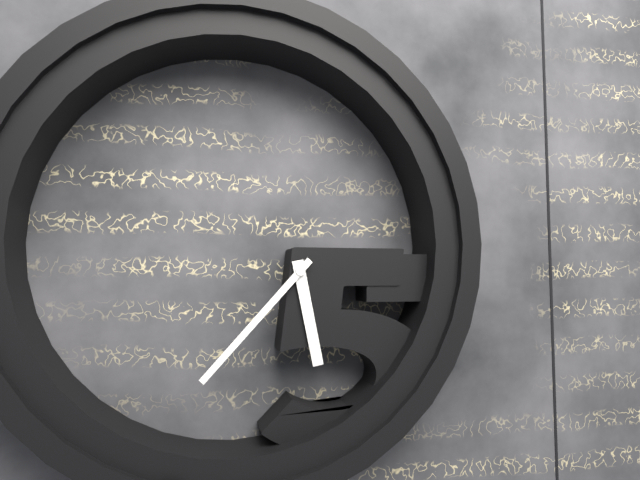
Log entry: 5:37
